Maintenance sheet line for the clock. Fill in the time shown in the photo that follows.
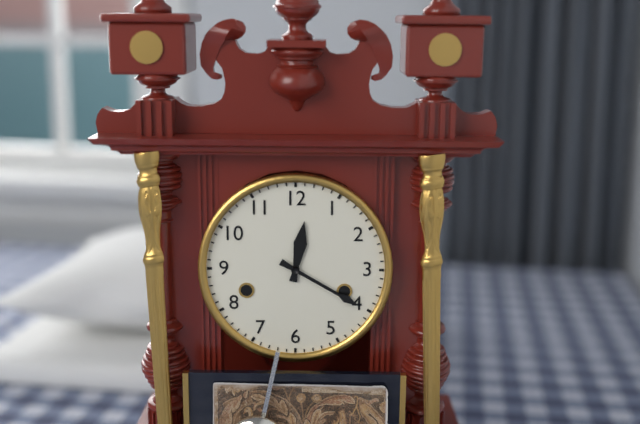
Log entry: 12:20
